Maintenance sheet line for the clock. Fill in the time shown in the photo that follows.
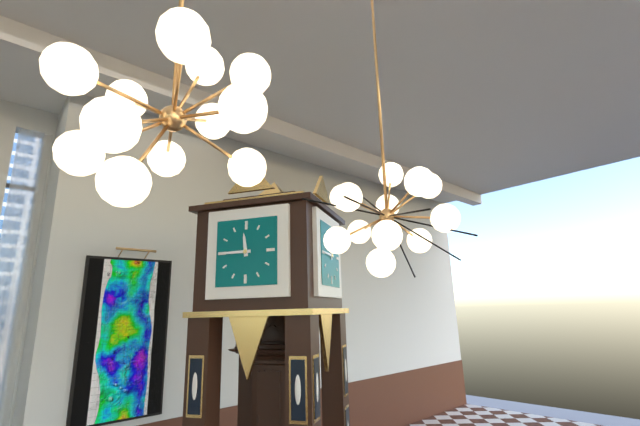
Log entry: 11:45
